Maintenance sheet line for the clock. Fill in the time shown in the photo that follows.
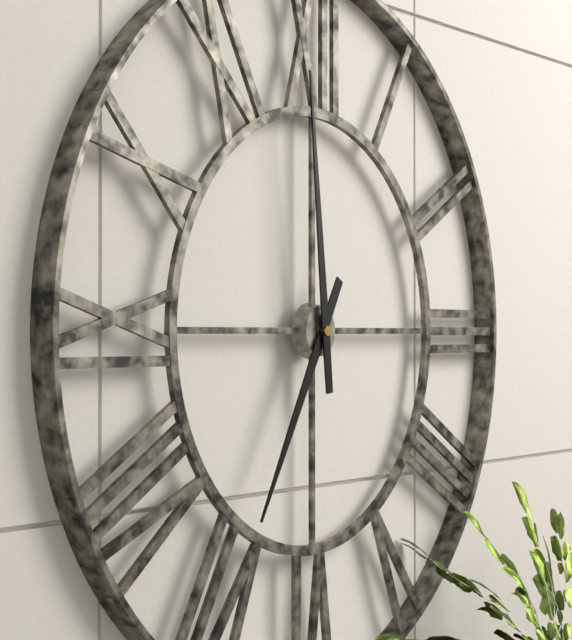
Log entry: 6:59
